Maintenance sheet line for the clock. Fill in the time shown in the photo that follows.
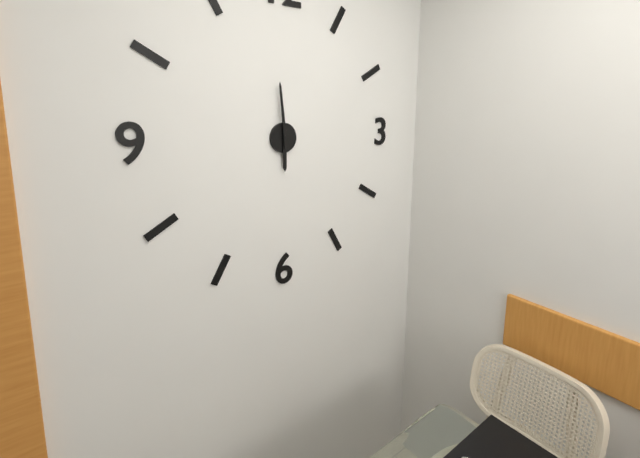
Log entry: 5:59
